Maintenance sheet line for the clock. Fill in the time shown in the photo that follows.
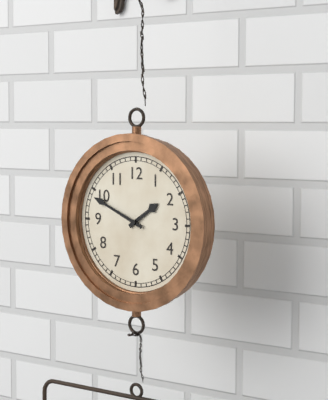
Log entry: 1:49
